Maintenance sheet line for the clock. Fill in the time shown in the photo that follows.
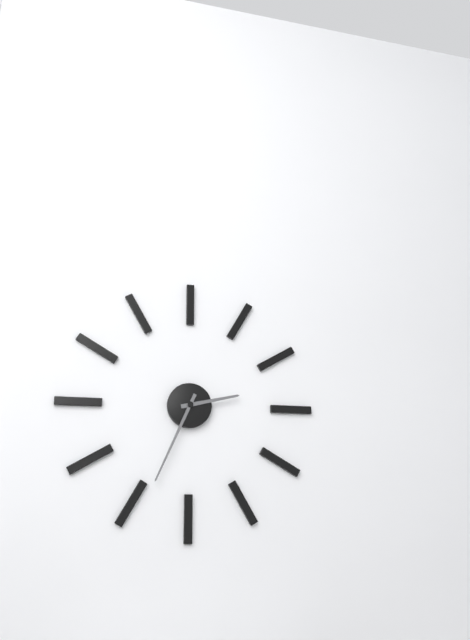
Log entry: 2:34
